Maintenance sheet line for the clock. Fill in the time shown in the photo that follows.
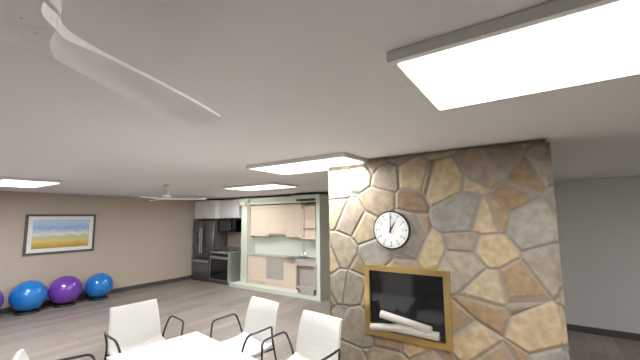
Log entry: 1:00
